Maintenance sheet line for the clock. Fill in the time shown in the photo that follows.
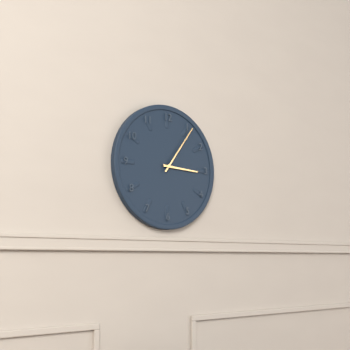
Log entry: 3:06
